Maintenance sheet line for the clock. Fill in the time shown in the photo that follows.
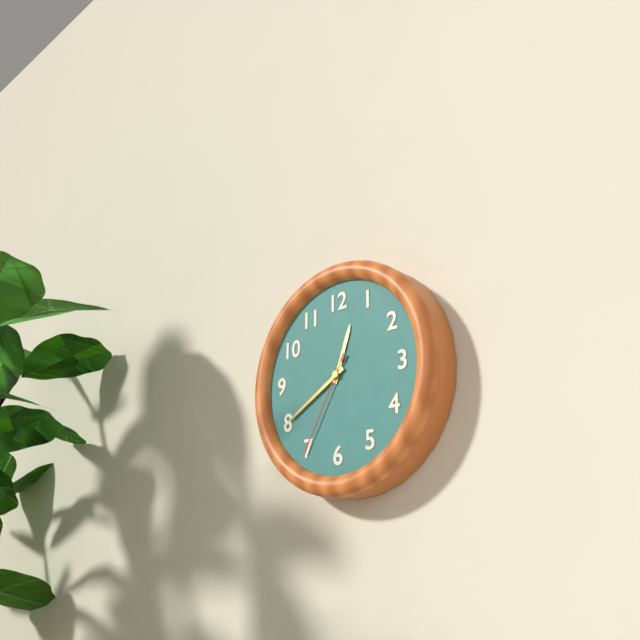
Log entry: 12:40:35
